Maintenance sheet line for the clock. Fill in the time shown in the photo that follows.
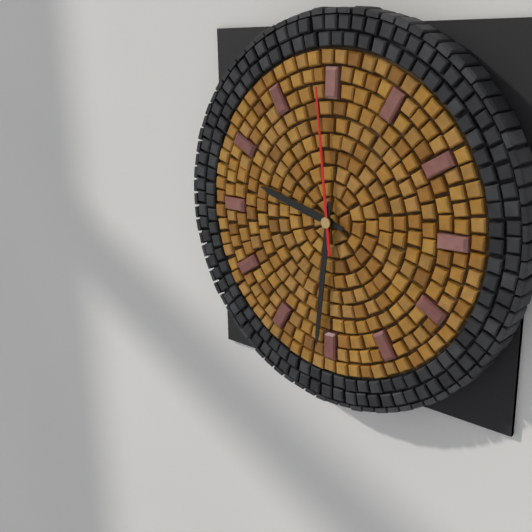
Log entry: 9:31:59
